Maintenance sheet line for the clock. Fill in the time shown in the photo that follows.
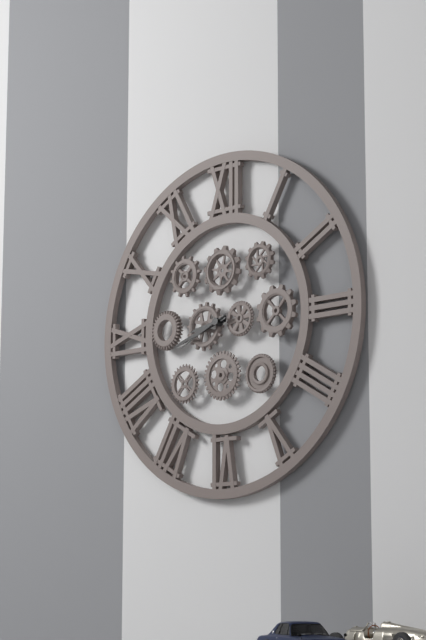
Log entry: 8:42:41
